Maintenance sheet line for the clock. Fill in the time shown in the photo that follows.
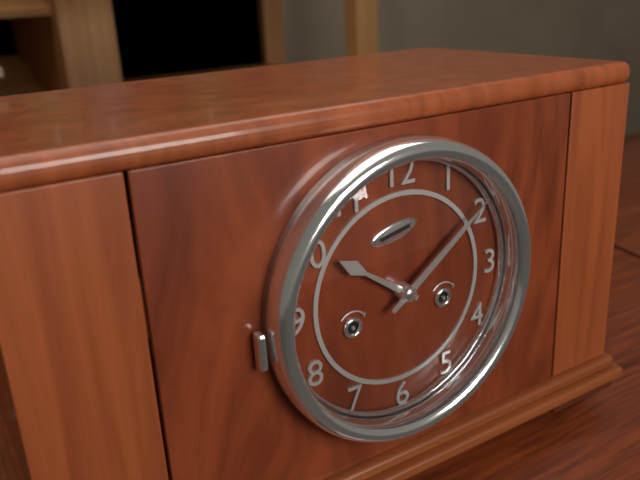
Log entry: 10:09
